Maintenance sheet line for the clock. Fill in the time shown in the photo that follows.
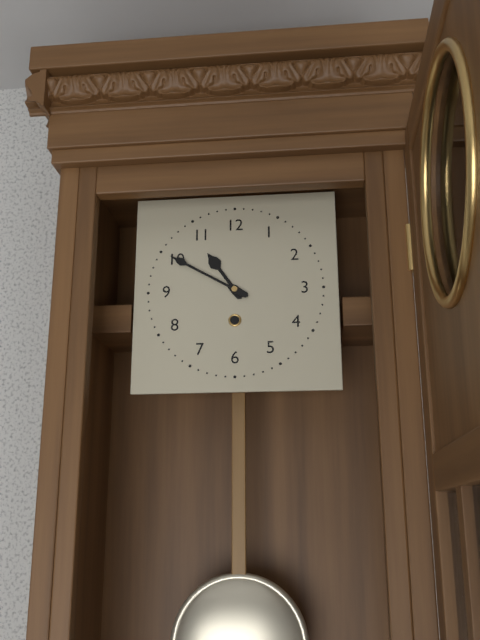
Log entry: 10:50
